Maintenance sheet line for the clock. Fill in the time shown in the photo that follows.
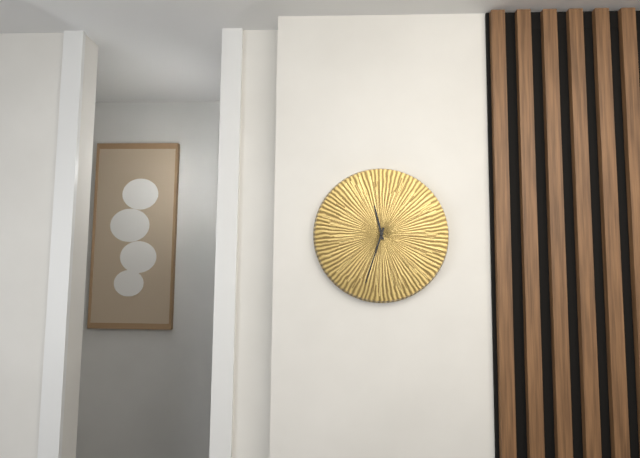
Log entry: 11:33
